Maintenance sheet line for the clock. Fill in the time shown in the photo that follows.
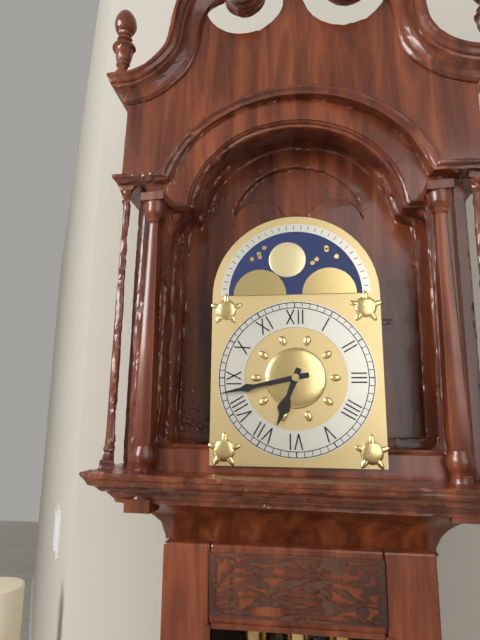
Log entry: 6:43
